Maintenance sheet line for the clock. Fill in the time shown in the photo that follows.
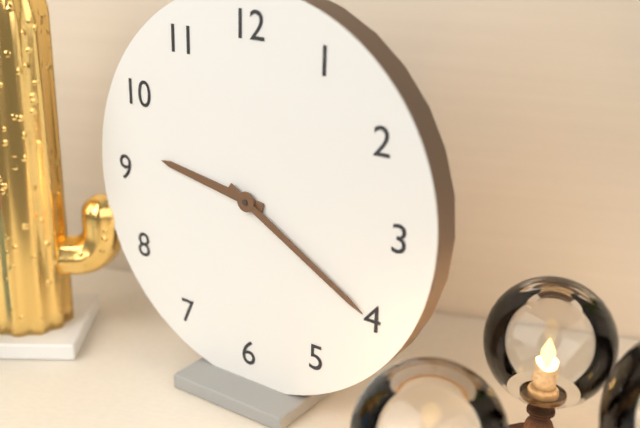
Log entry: 9:20
